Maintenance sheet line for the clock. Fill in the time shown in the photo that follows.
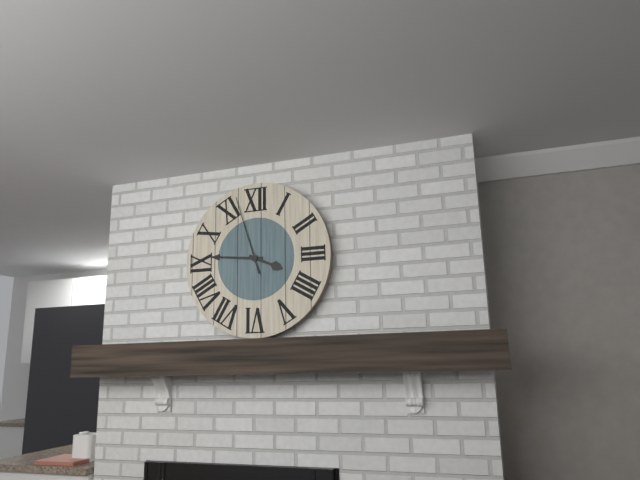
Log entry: 3:46:57
